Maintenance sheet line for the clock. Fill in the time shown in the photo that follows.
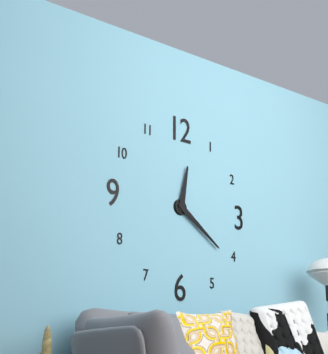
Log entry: 12:21
